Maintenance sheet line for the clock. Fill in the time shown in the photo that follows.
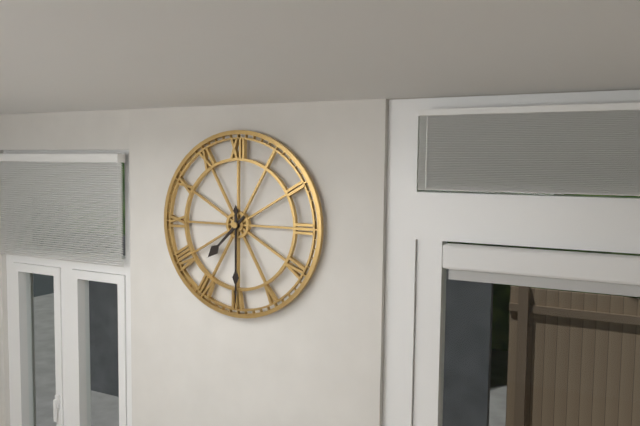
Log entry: 7:30
